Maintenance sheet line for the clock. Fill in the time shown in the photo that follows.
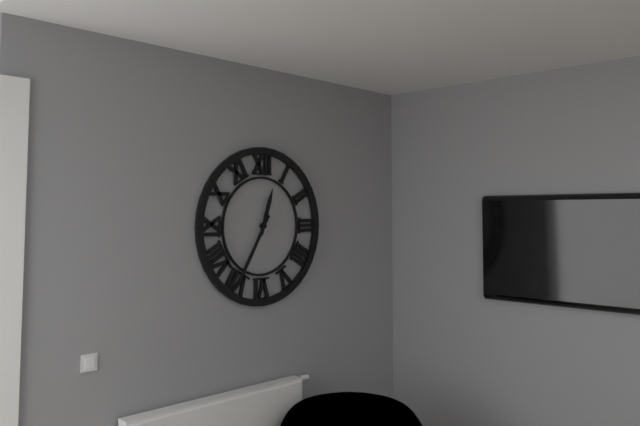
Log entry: 12:35
